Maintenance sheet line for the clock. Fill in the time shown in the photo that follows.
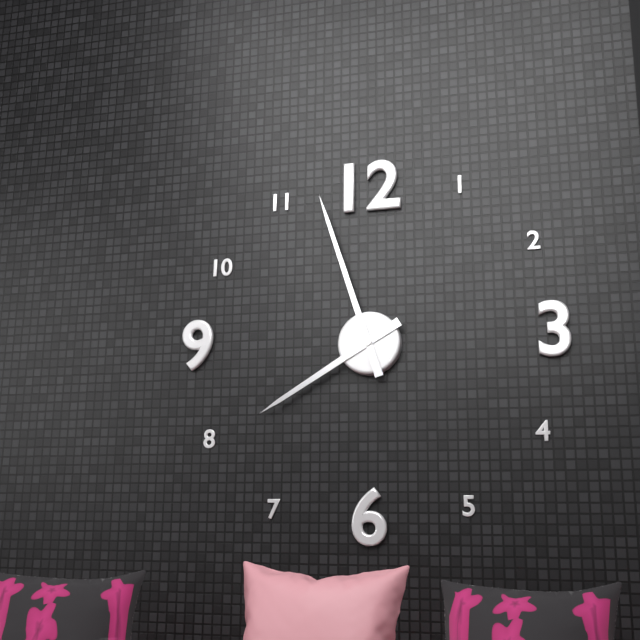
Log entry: 7:57
